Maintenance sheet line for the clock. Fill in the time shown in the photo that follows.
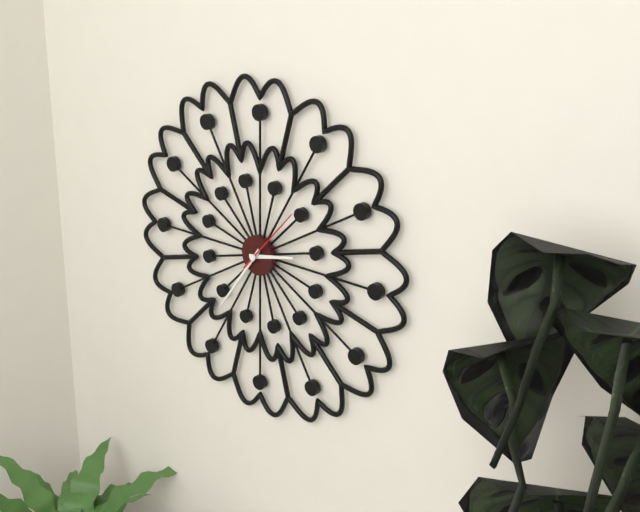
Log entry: 2:36:07
